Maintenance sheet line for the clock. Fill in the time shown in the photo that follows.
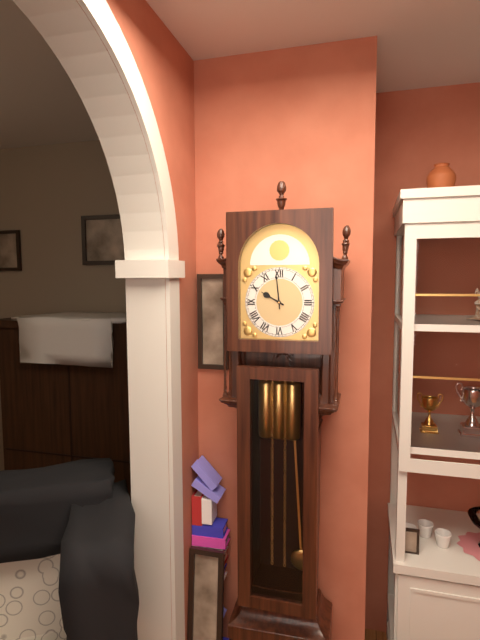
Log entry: 9:59
